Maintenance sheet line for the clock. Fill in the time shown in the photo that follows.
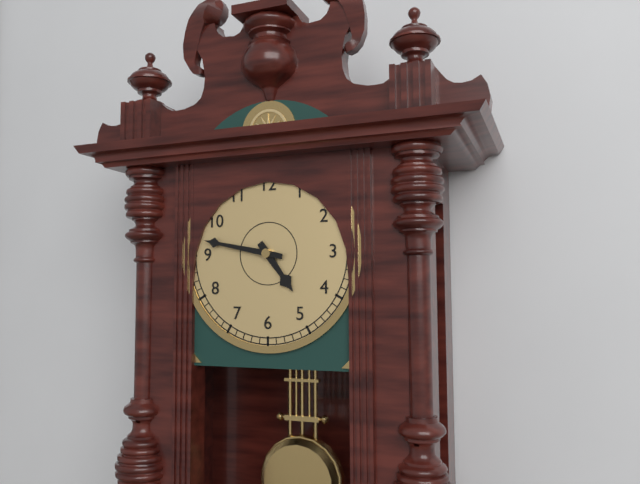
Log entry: 4:47
